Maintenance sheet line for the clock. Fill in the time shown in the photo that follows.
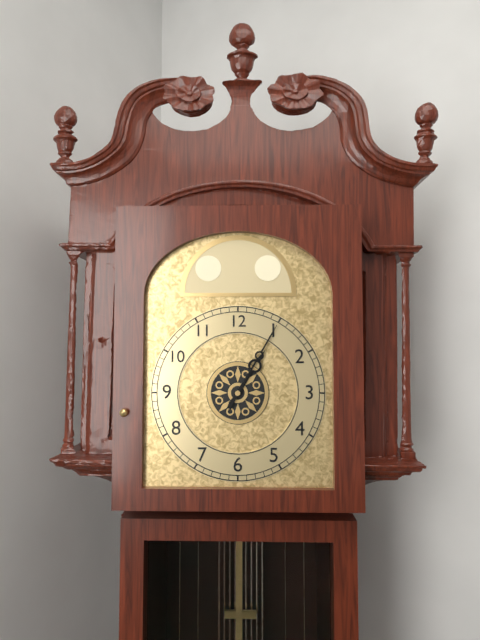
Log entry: 1:05
